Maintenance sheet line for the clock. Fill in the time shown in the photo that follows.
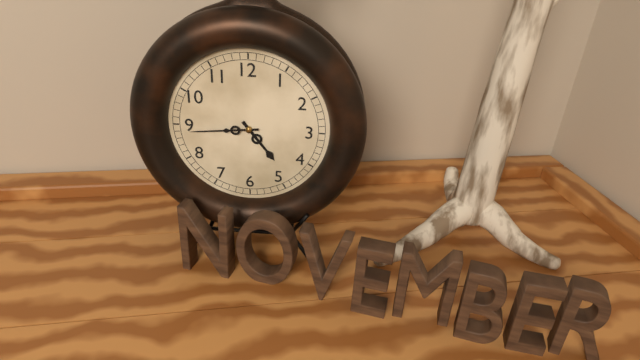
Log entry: 4:44
